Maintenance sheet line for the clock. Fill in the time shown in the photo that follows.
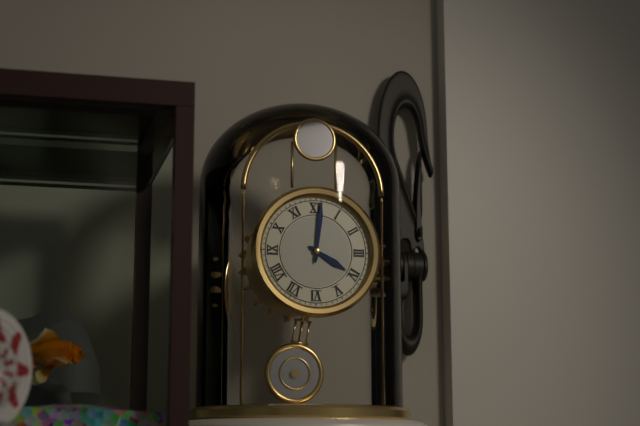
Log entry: 4:01
